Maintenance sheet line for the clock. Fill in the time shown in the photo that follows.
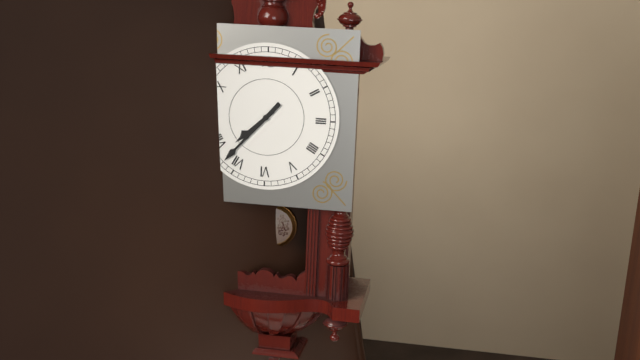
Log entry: 7:37
